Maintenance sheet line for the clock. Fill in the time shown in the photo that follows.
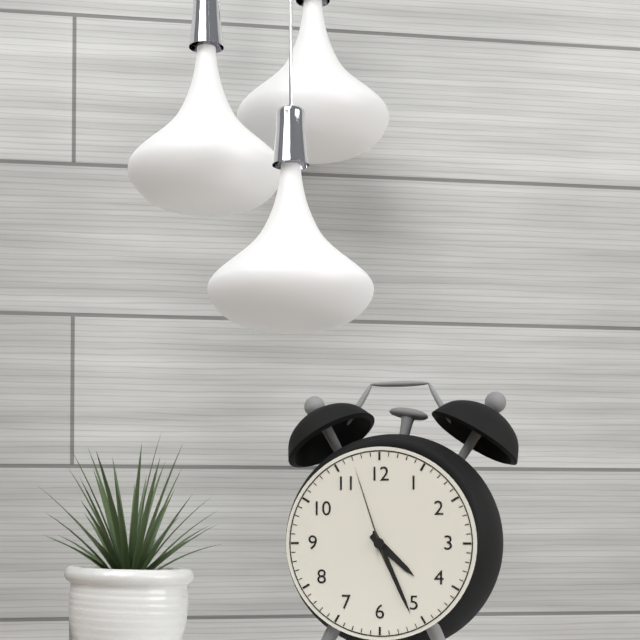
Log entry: 4:26:57
